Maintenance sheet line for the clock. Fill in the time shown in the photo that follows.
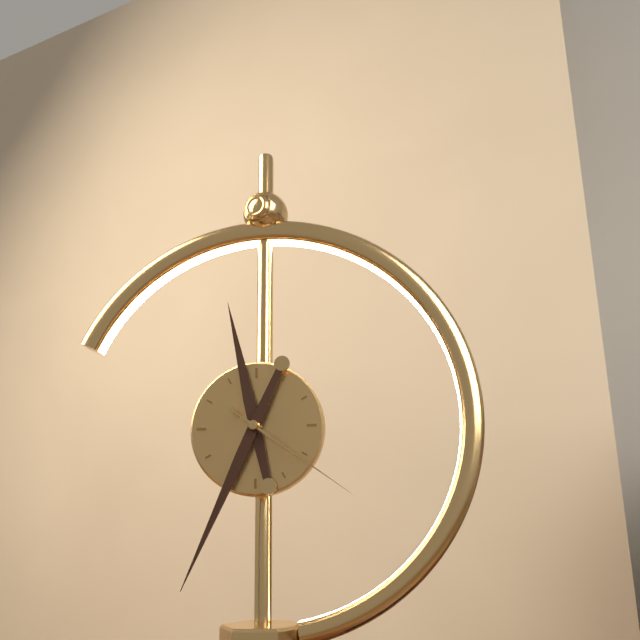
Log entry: 11:34:21
